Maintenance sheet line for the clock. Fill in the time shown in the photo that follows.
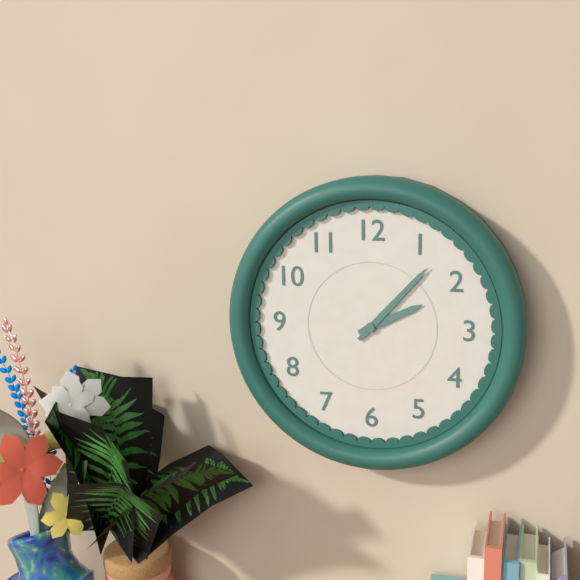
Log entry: 2:07
